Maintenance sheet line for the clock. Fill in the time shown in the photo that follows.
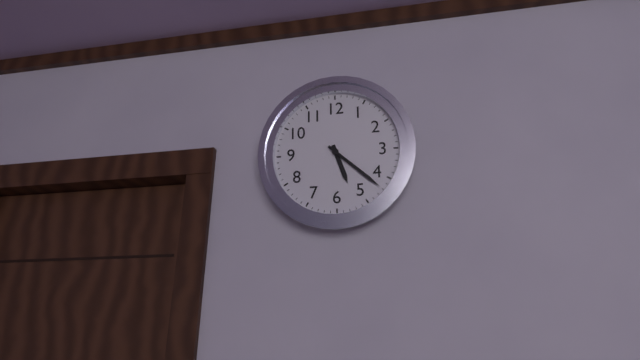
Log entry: 5:22
